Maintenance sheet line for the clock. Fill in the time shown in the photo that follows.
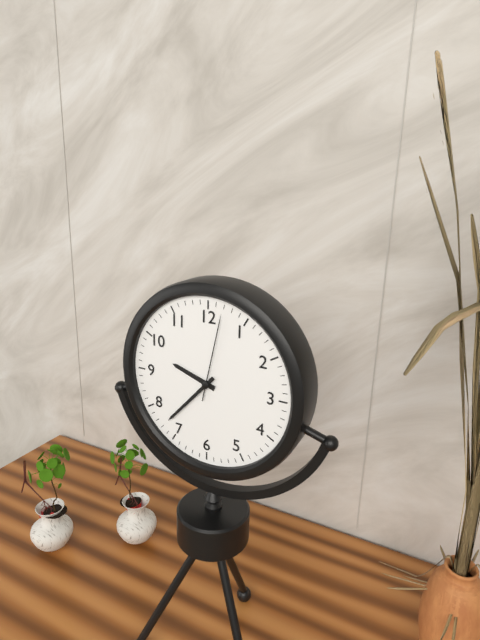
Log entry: 9:37:02
